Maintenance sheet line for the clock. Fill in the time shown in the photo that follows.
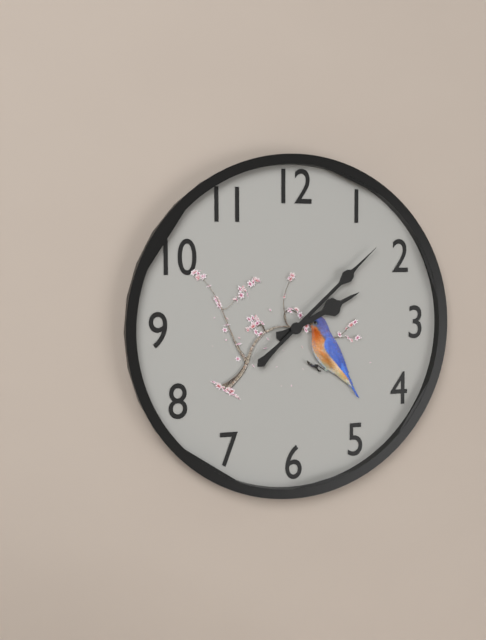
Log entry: 2:08
